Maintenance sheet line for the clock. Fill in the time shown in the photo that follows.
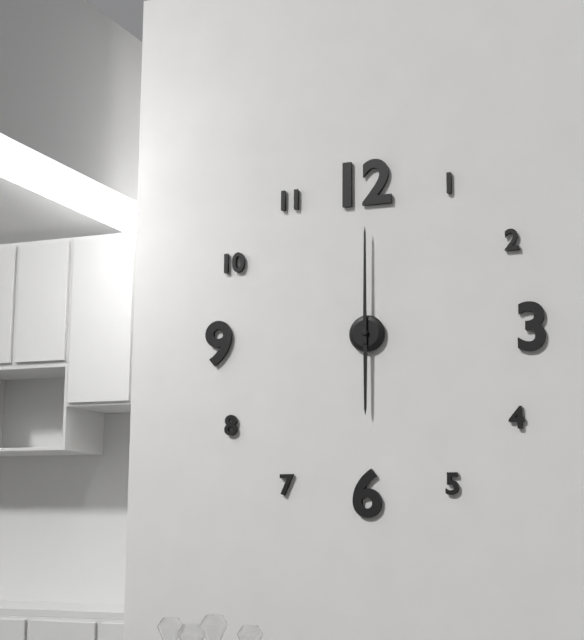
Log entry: 6:00
